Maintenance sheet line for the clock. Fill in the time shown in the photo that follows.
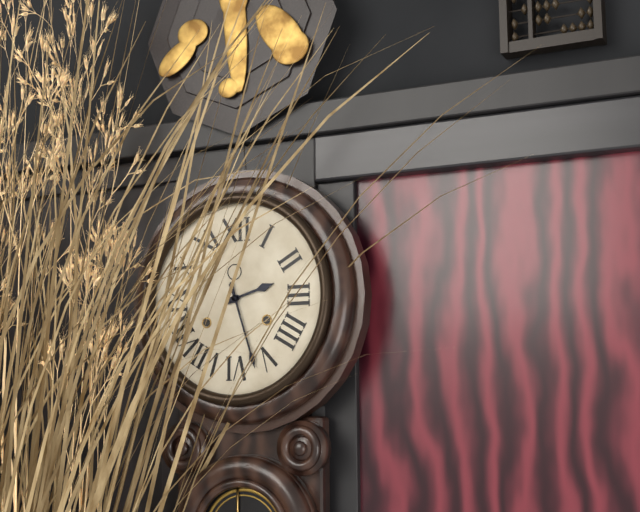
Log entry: 2:27
